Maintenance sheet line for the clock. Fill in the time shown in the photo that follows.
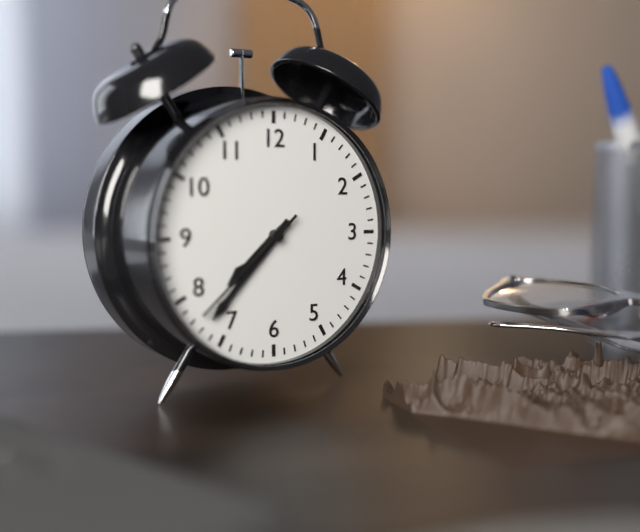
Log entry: 7:37:38
